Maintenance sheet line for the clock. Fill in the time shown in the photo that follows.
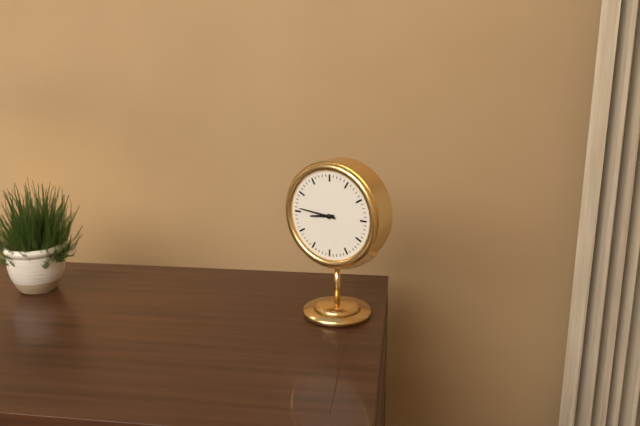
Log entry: 8:46
